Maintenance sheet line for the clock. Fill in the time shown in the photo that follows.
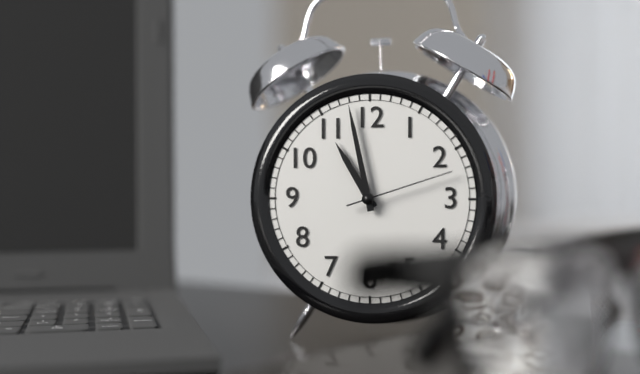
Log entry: 10:58:12
